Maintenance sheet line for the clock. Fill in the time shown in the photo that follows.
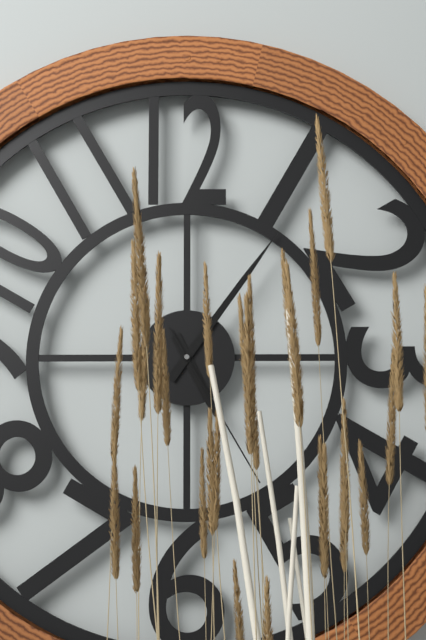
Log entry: 5:06:25
